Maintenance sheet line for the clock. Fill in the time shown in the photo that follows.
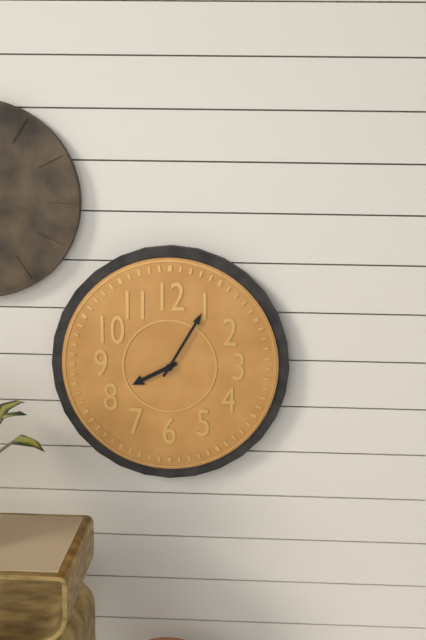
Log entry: 8:05
